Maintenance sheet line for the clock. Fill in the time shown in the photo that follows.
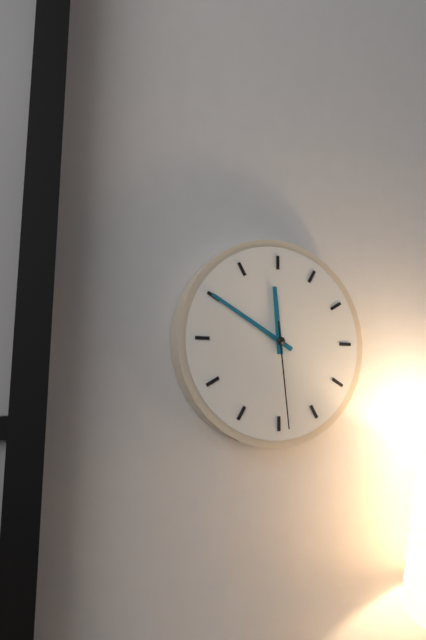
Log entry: 11:50:29
